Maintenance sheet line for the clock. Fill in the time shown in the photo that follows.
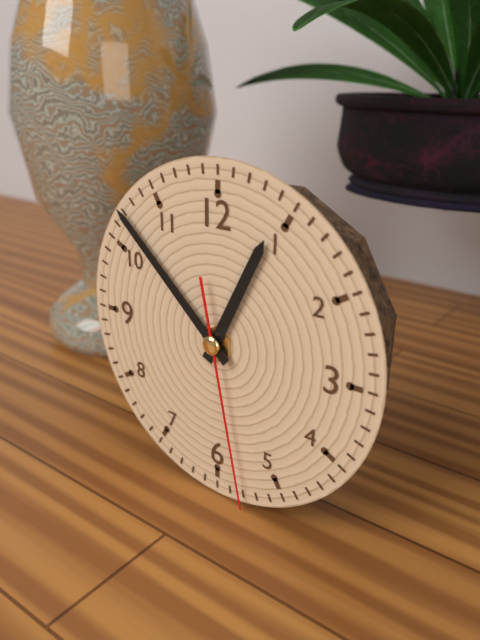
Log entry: 12:52:28
